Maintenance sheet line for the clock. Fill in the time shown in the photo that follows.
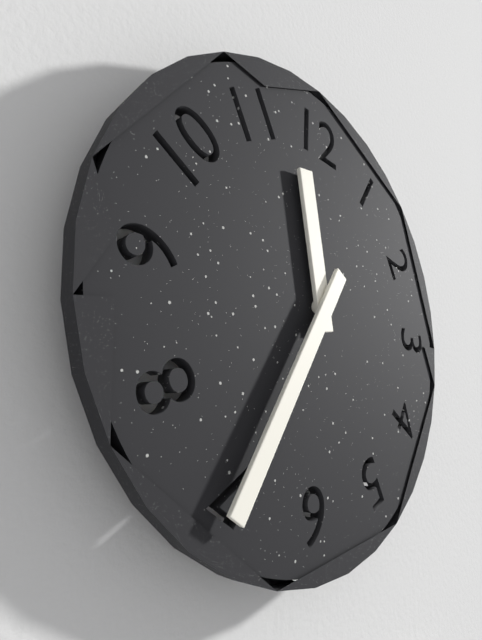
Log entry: 11:35
